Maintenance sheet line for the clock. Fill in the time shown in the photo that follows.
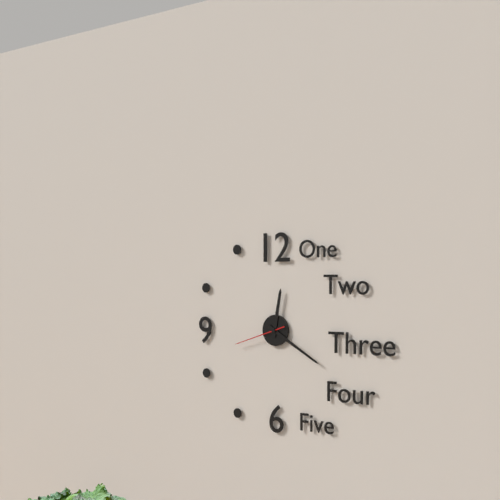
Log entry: 12:20:42
